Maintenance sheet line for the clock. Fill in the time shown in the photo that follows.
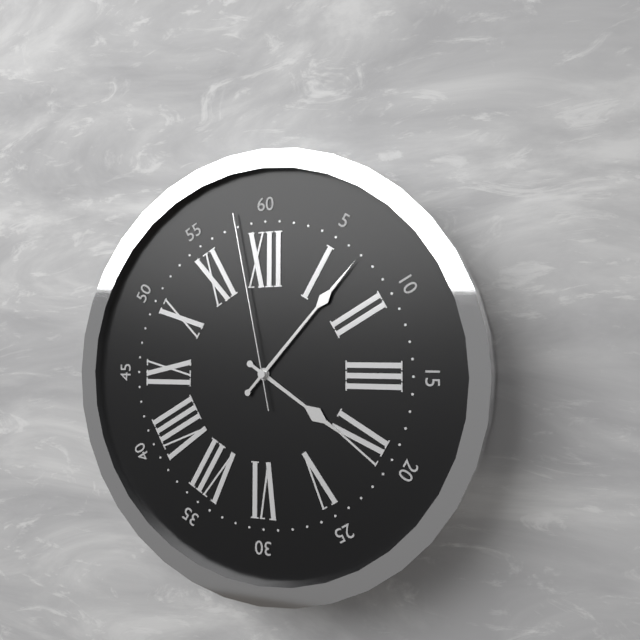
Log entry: 4:07:58
